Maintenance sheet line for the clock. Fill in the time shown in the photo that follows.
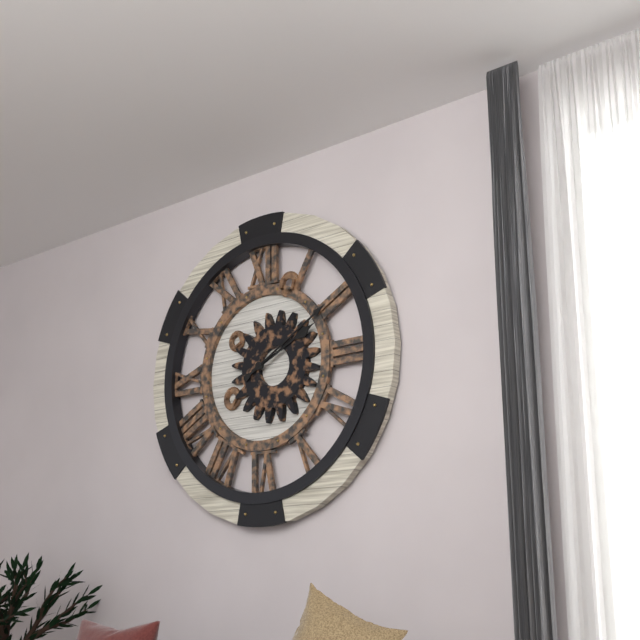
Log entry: 2:10
